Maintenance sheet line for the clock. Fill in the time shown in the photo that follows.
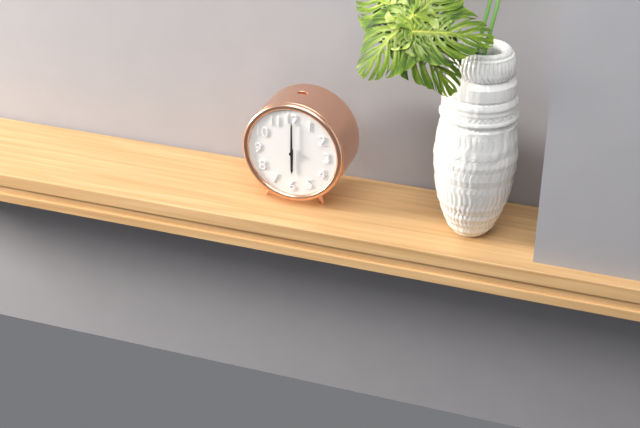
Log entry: 6:00
